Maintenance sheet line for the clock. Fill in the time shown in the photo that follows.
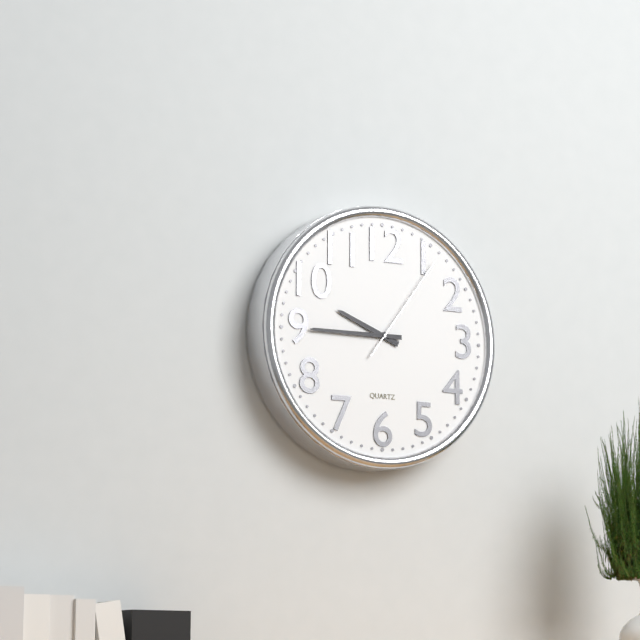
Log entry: 9:45:06
